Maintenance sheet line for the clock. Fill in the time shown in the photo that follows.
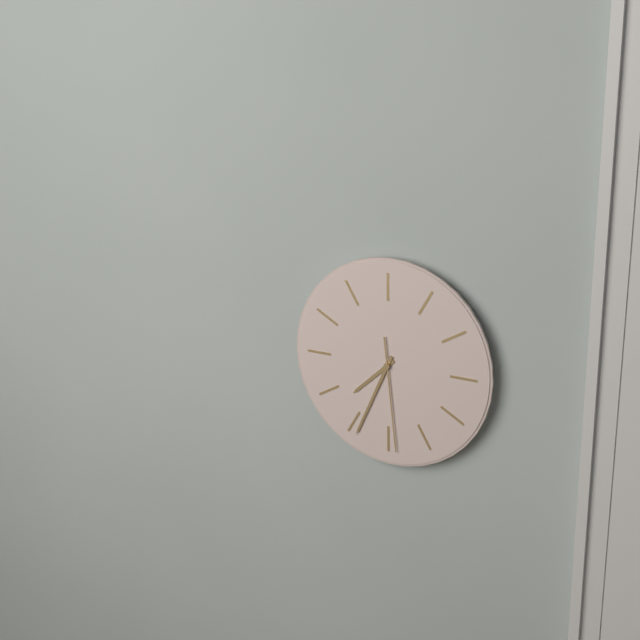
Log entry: 7:34:29
